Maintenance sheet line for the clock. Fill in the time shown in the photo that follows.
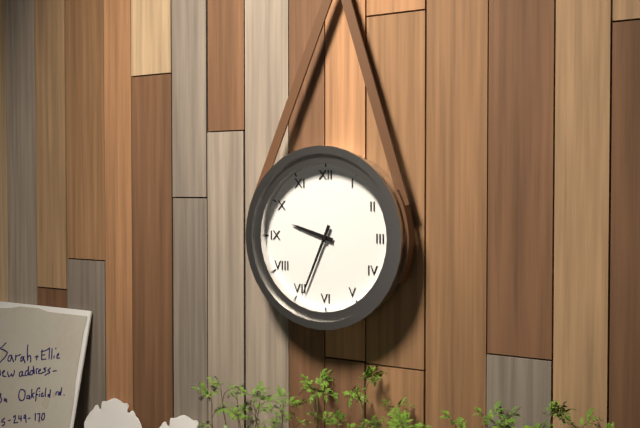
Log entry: 9:34
